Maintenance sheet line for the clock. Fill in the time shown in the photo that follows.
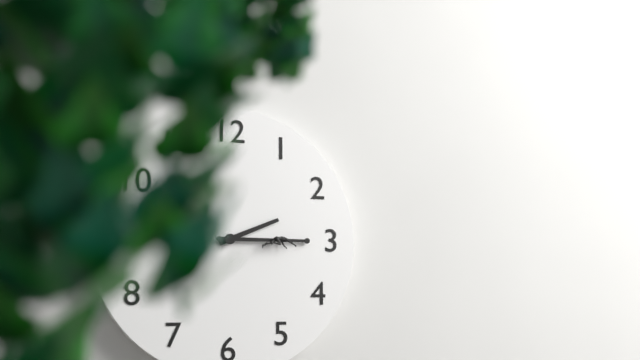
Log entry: 2:15
